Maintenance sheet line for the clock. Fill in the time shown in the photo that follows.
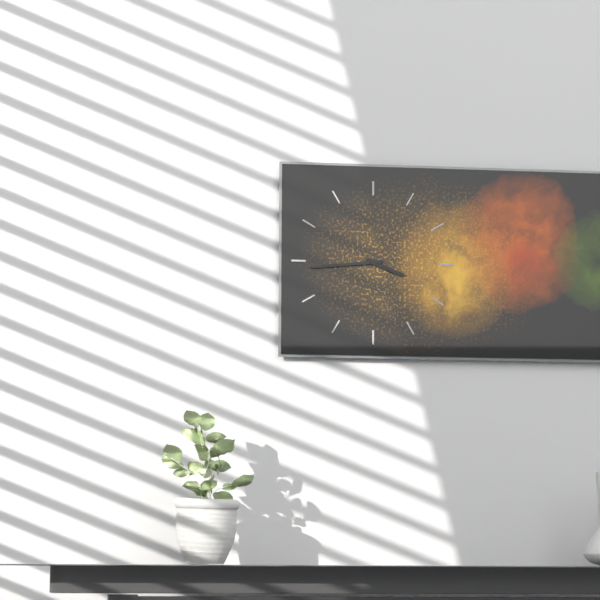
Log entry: 3:44
